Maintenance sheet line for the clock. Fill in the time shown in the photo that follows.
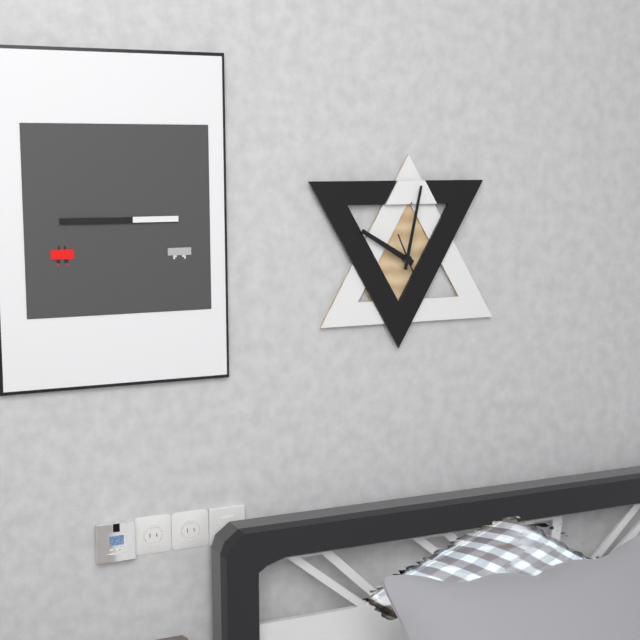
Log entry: 10:02
